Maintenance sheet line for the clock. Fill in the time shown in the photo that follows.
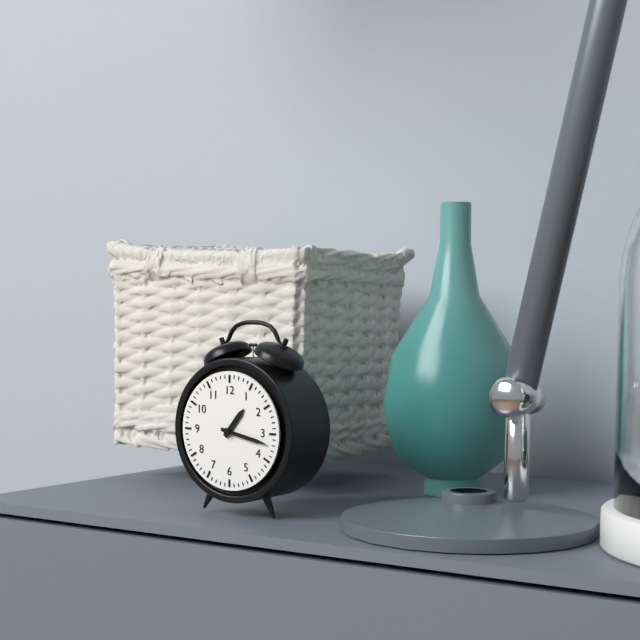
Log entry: 1:17
